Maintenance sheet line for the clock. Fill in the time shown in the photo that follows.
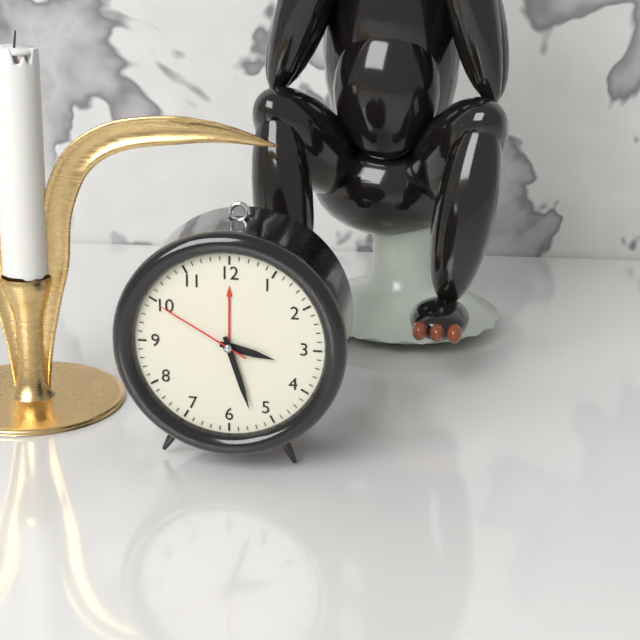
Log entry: 3:27:50
